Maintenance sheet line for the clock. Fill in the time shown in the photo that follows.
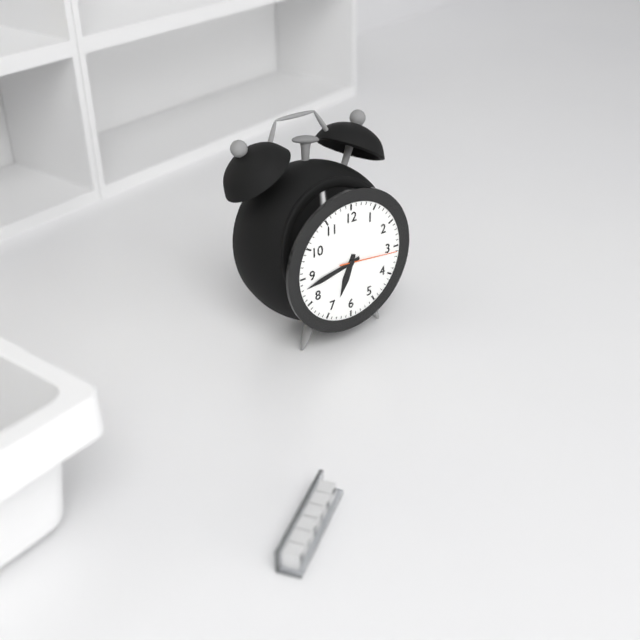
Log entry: 6:43:16
